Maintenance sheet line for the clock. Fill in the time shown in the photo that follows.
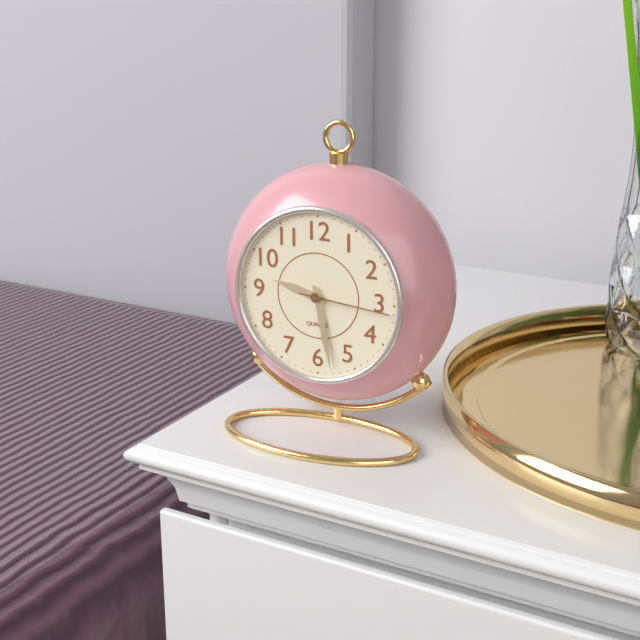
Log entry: 9:28:16
